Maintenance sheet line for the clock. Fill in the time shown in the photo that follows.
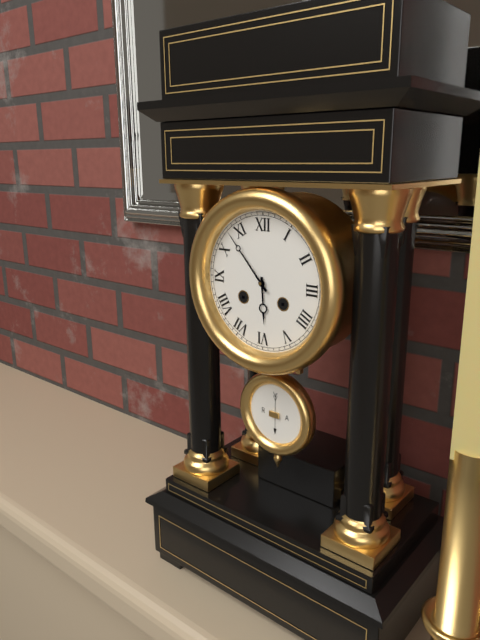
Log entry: 5:53
